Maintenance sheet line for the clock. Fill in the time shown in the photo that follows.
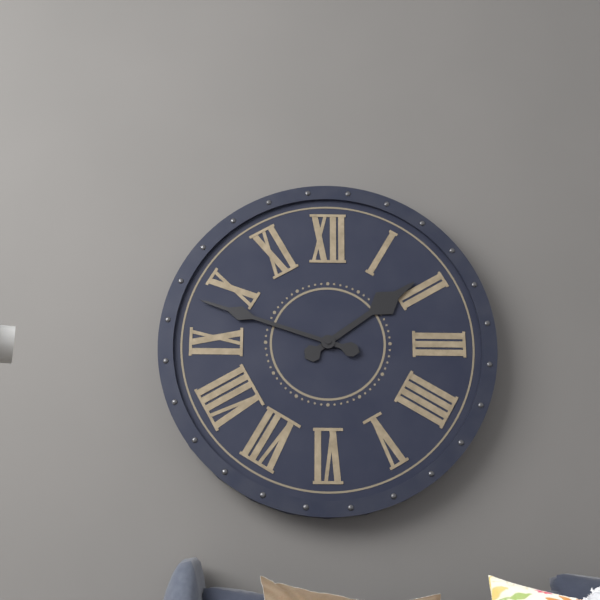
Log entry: 1:48
